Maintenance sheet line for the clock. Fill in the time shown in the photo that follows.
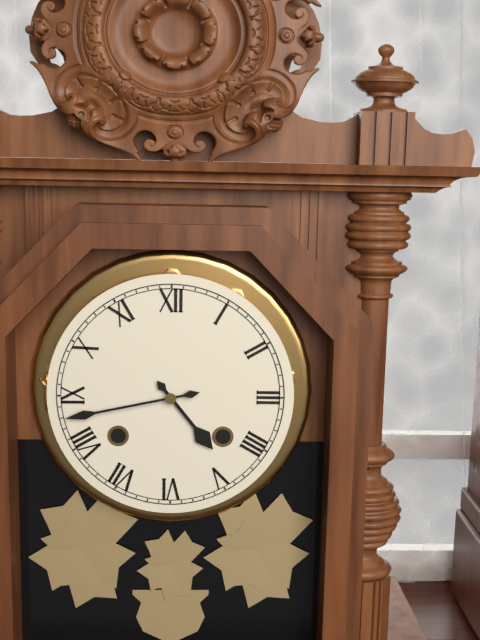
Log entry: 4:43
